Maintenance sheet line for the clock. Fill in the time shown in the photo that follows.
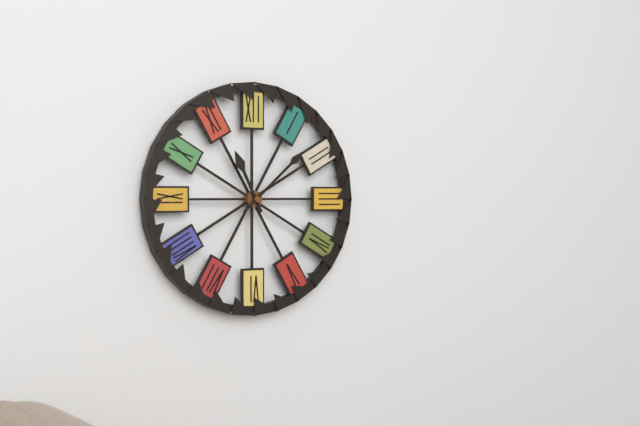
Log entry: 11:08
